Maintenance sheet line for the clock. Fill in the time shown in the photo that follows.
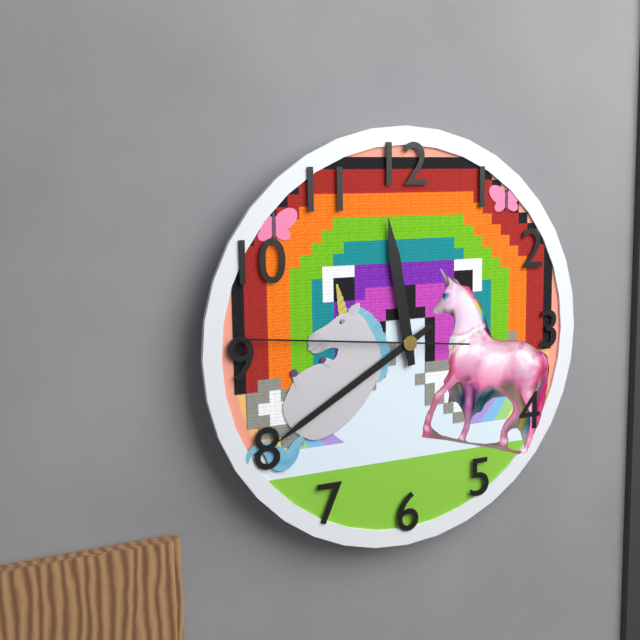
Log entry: 11:40:46
